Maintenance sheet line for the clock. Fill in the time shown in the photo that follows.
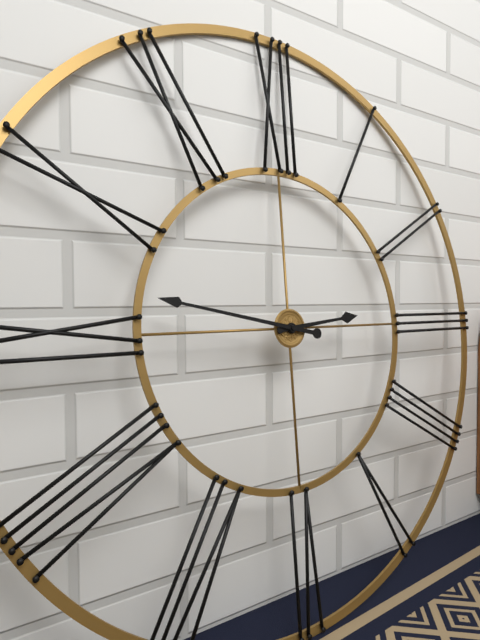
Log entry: 2:47
